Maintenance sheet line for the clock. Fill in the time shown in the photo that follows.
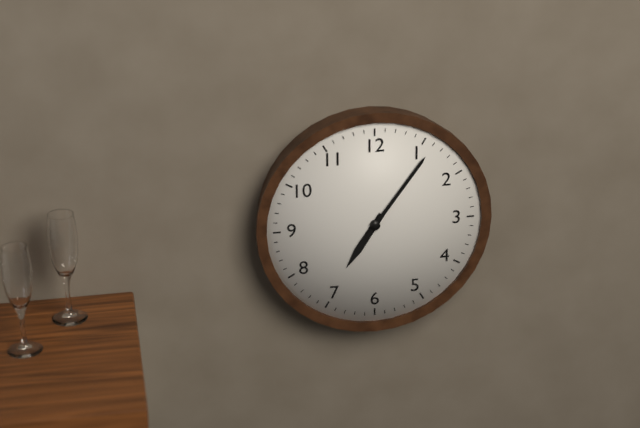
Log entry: 7:06
